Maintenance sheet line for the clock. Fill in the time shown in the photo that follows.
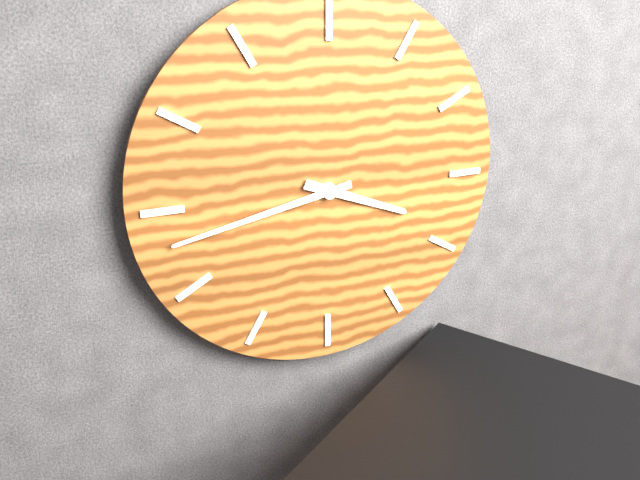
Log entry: 3:43
